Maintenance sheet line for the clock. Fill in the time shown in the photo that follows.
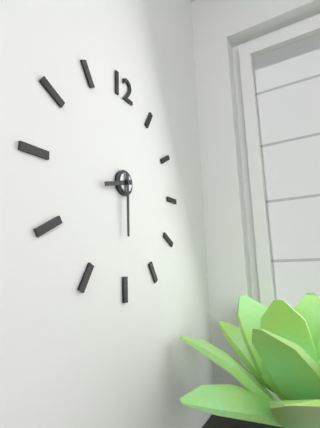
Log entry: 8:30
